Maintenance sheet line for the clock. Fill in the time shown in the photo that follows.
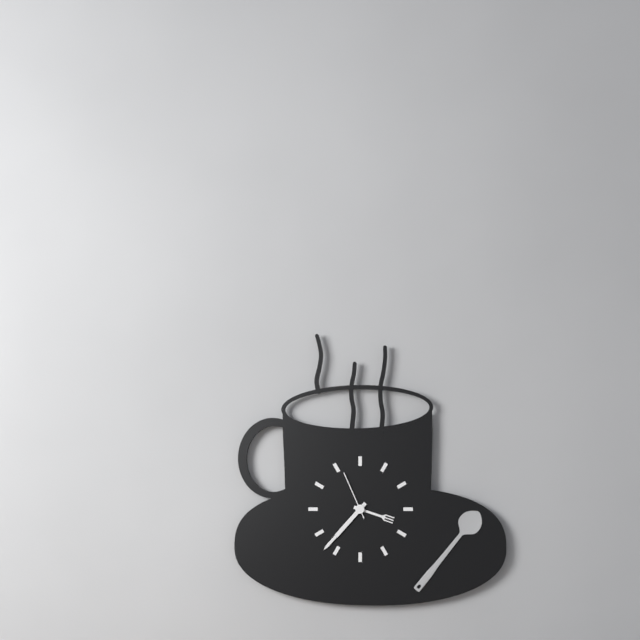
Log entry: 3:37:56
